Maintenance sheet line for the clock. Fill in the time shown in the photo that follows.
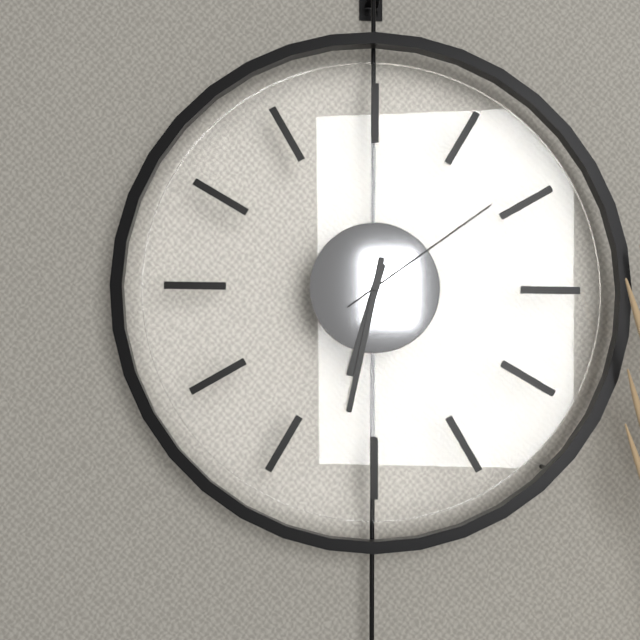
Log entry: 6:32:09
